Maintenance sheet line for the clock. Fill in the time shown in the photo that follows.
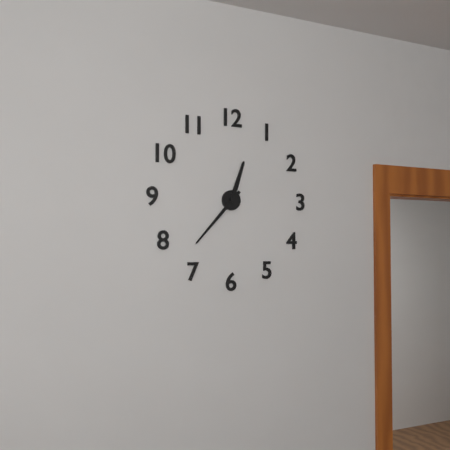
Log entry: 12:37
